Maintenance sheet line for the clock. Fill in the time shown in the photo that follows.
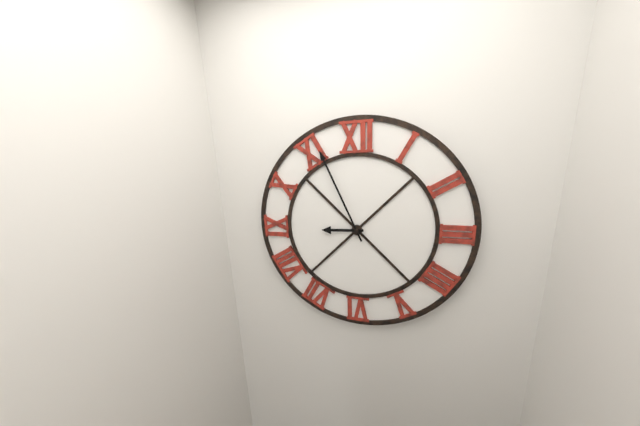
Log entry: 8:56
